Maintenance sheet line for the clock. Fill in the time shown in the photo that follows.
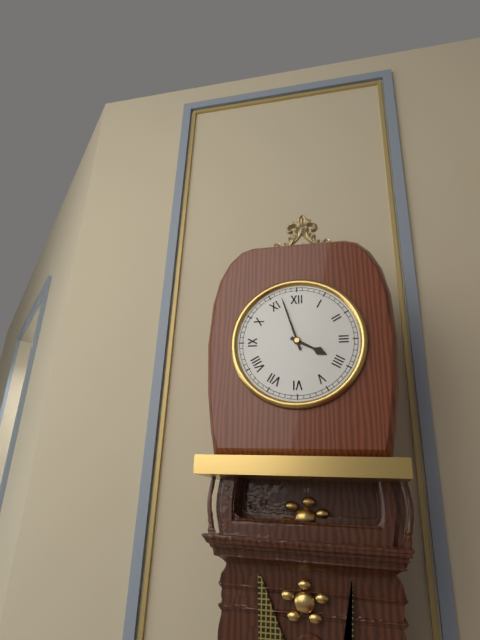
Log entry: 3:57
